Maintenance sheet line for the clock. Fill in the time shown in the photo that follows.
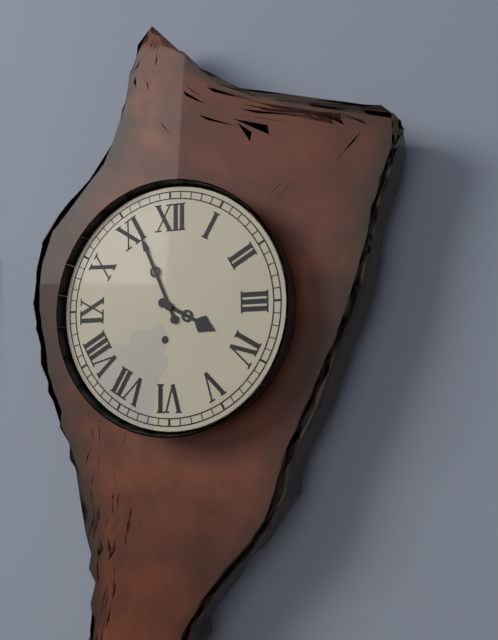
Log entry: 3:56
